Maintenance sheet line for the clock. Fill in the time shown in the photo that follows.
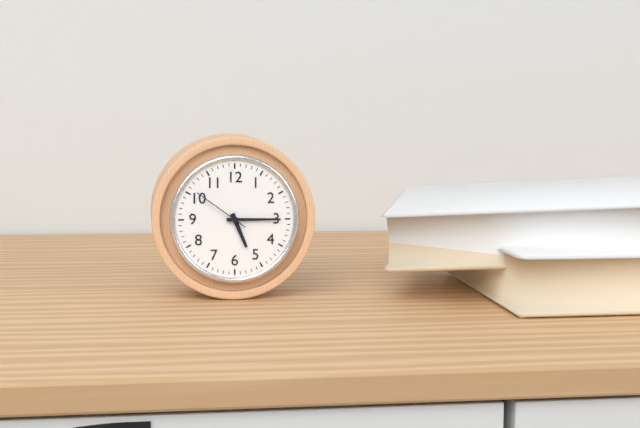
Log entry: 5:15:51
